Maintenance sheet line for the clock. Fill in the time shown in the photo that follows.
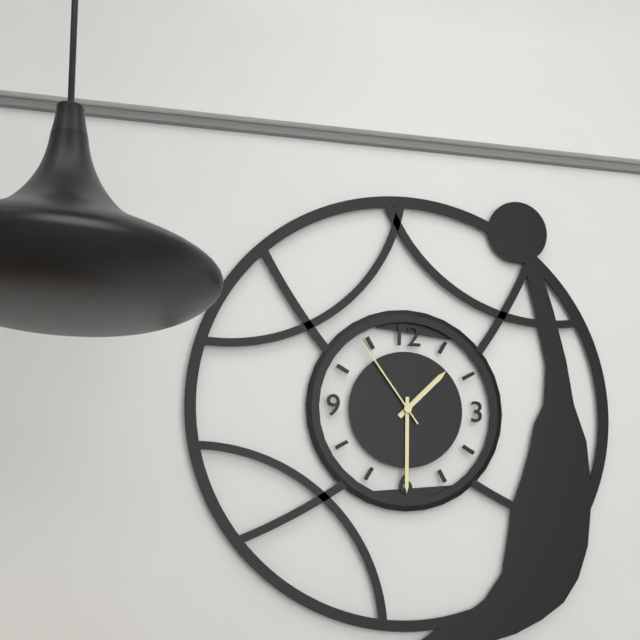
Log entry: 1:30:54
